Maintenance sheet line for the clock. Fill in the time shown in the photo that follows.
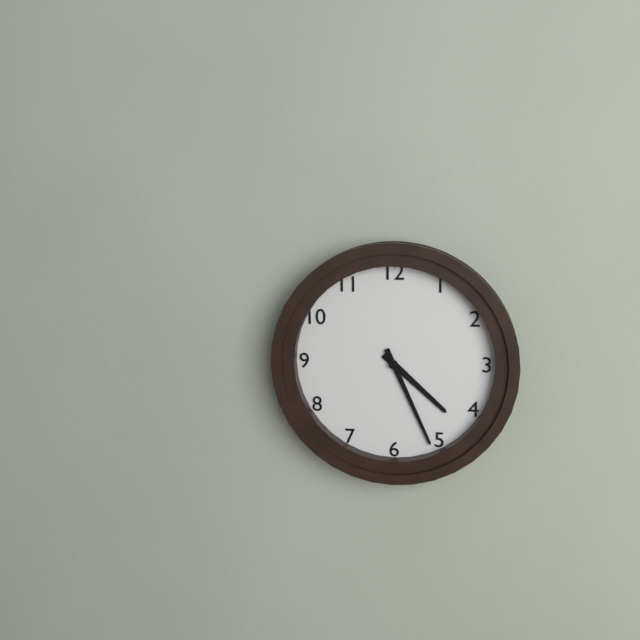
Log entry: 4:26
